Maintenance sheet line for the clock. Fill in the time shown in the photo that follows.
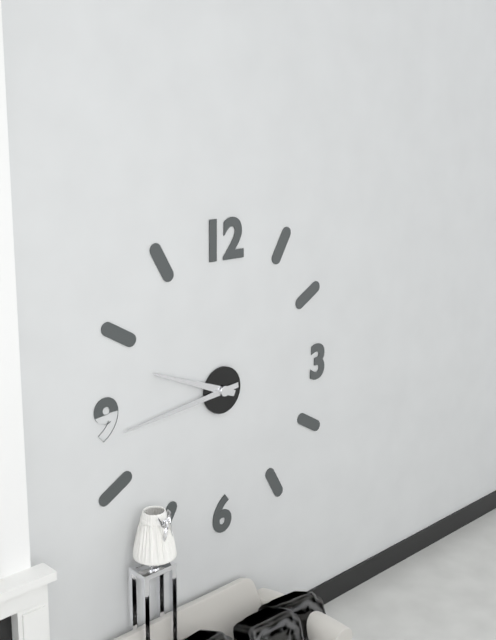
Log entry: 9:44
